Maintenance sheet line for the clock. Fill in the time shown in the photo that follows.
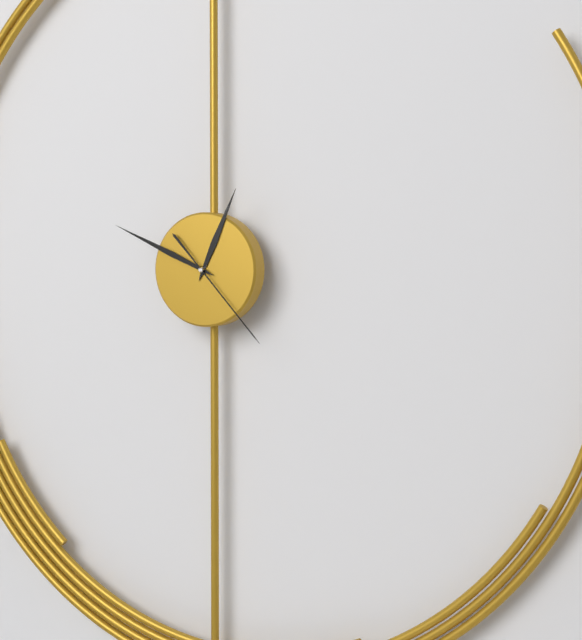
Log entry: 12:49:23
